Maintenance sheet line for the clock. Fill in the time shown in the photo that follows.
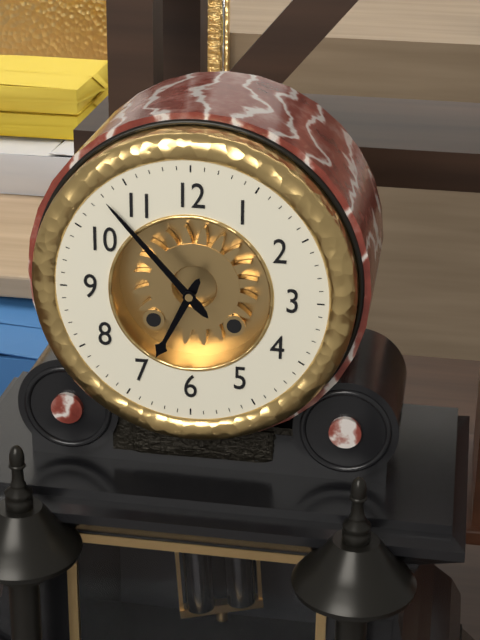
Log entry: 6:53
